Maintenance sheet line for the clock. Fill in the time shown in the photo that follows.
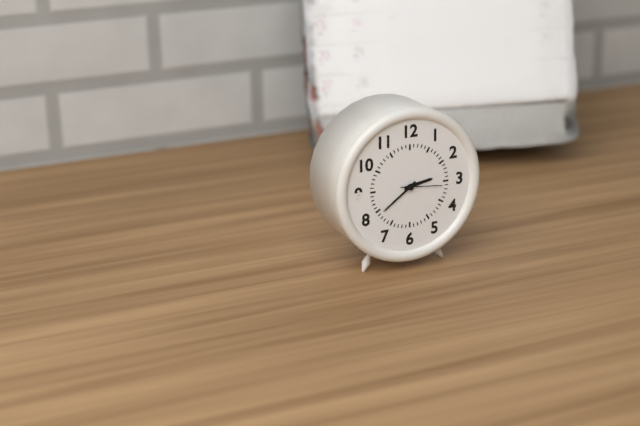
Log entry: 2:39
